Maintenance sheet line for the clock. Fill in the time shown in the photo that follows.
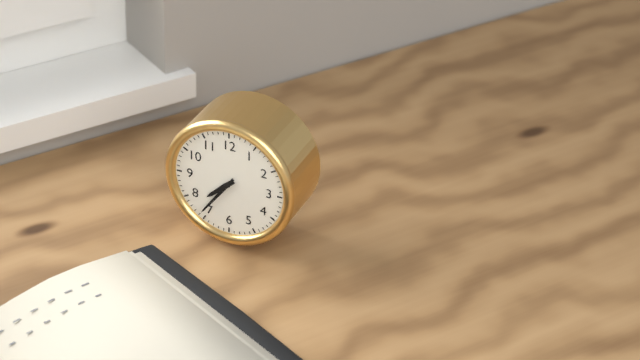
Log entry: 7:36
